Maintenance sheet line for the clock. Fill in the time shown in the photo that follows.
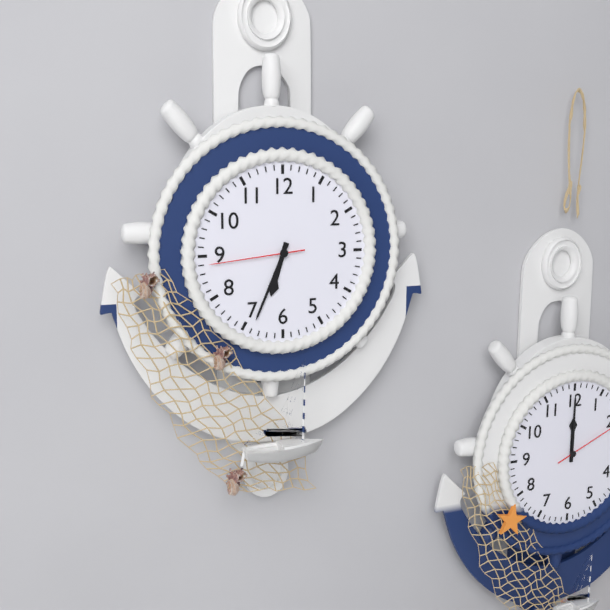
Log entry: 6:34:44
